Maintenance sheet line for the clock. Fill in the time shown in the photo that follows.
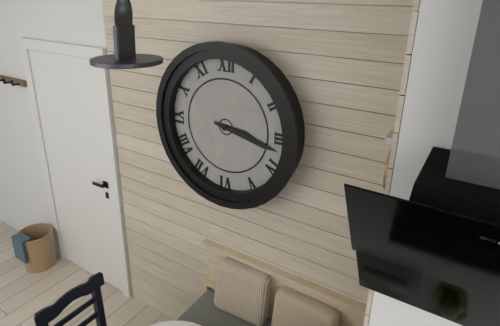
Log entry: 3:17
